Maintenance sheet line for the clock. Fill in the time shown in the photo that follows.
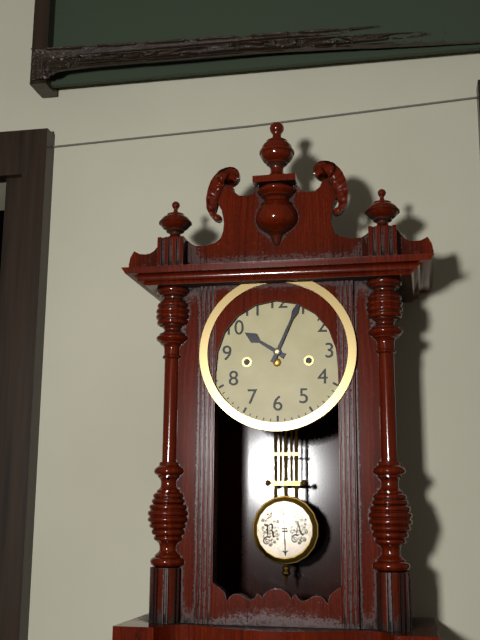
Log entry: 10:04
